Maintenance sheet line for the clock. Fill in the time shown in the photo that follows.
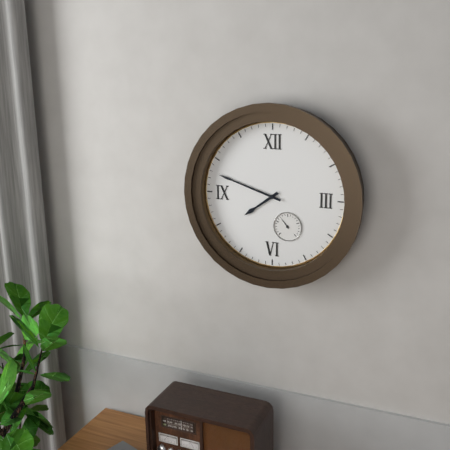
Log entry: 7:48
